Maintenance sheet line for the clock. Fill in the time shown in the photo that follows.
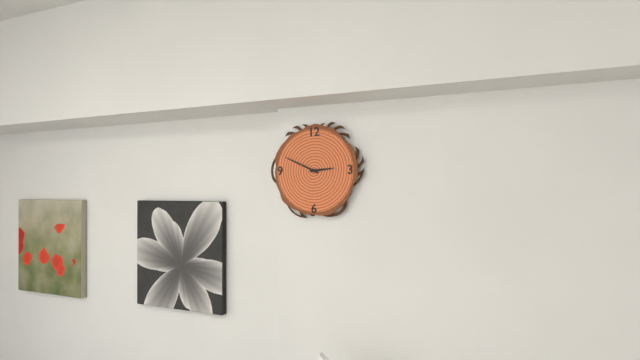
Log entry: 2:49
